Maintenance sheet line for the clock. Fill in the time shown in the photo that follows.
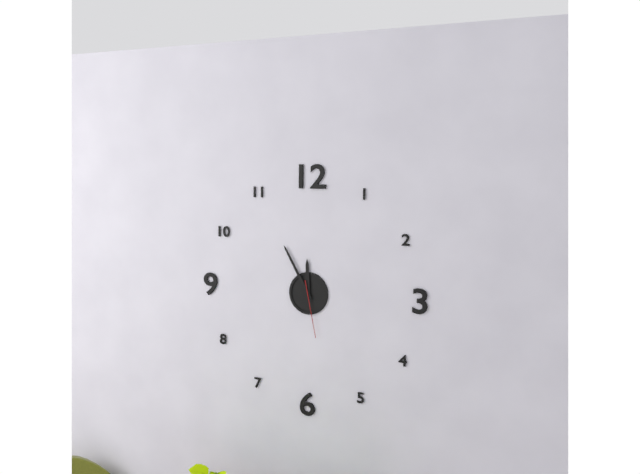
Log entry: 11:55:28
